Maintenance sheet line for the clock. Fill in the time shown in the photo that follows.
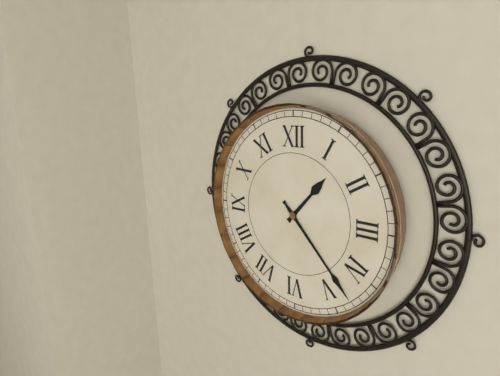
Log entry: 1:23
